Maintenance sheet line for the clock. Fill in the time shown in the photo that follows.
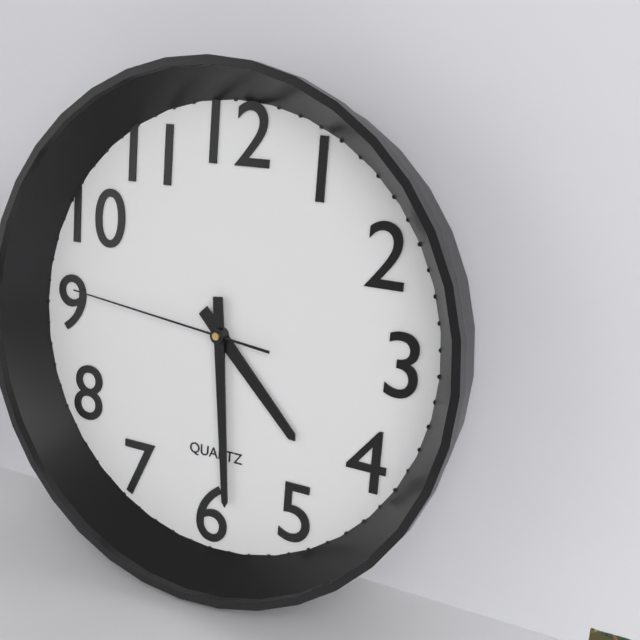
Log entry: 4:29:46
